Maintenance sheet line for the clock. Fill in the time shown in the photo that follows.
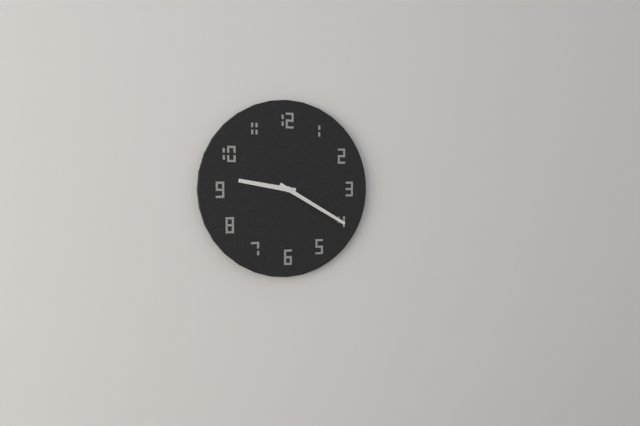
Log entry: 9:20
